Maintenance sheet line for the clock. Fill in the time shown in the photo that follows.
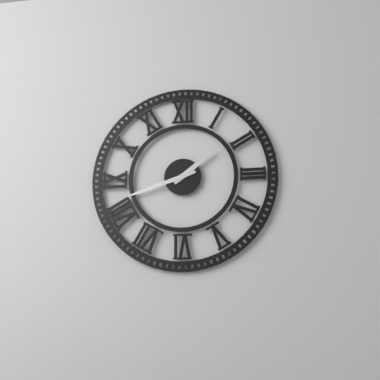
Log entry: 1:42
